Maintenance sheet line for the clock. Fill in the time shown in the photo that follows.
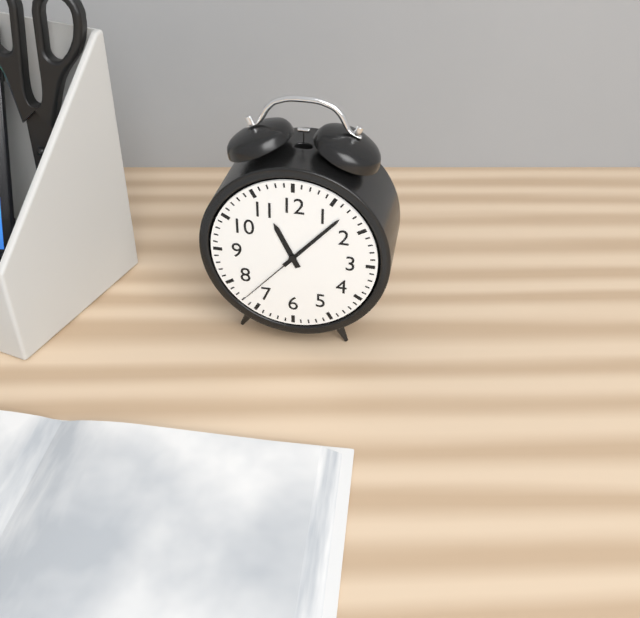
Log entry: 11:07:37
